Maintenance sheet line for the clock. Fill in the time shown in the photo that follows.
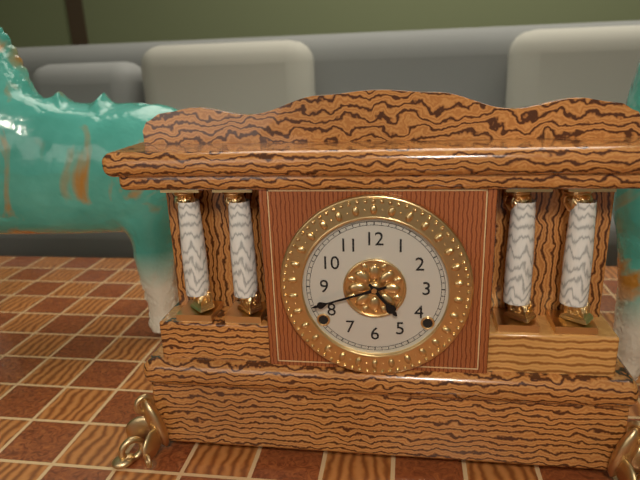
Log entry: 4:42
